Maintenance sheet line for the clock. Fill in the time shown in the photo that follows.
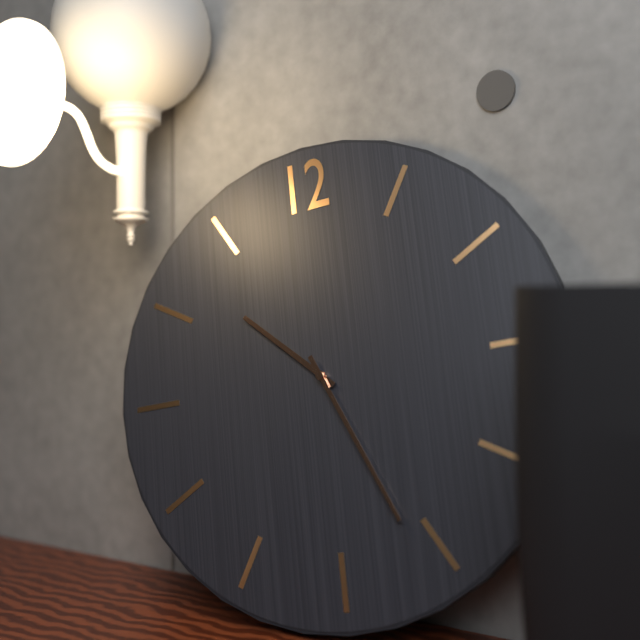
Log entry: 10:26
